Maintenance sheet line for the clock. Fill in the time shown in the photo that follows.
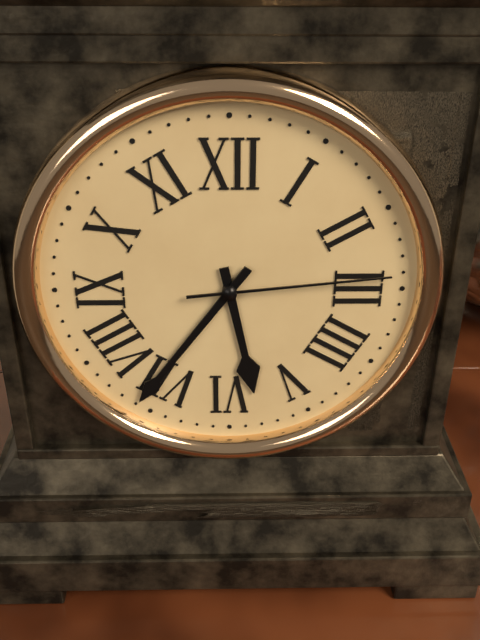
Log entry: 5:36:14
